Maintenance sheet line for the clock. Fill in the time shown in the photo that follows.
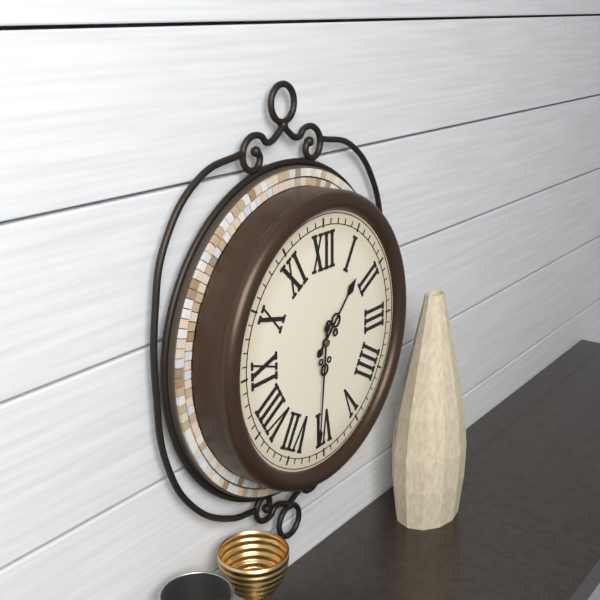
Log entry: 1:31
